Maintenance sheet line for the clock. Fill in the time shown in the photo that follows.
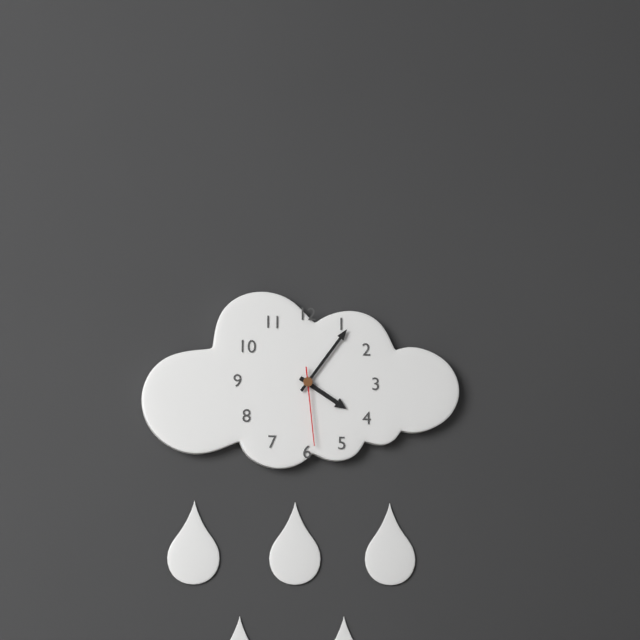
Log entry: 4:06:29
